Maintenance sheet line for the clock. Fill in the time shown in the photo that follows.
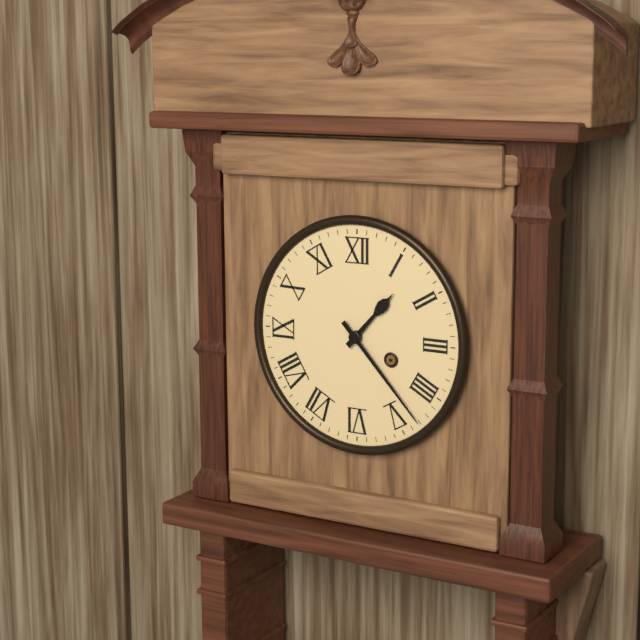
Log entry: 1:23
